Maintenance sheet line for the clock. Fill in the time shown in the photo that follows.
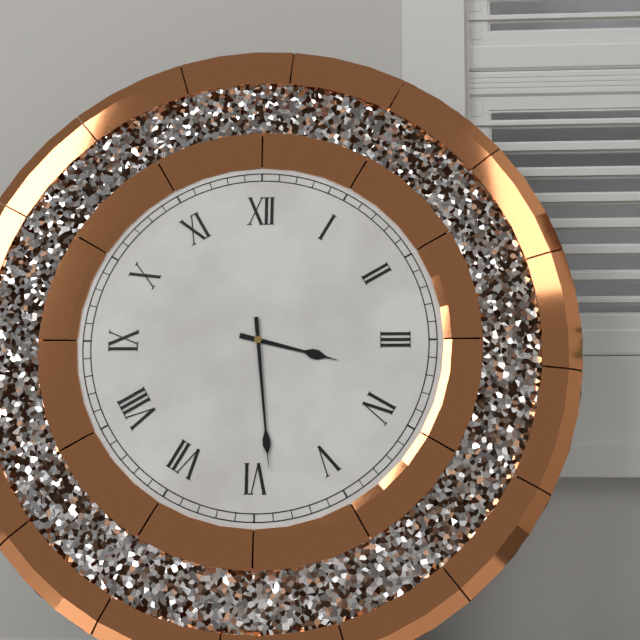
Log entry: 3:29
